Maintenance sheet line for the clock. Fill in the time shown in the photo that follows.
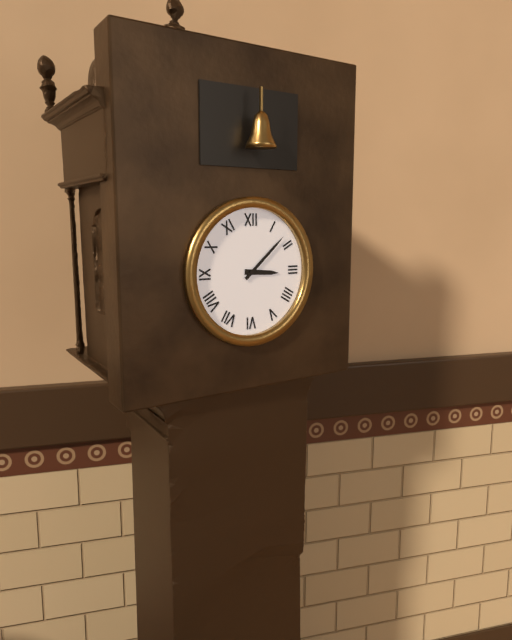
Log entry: 3:08
